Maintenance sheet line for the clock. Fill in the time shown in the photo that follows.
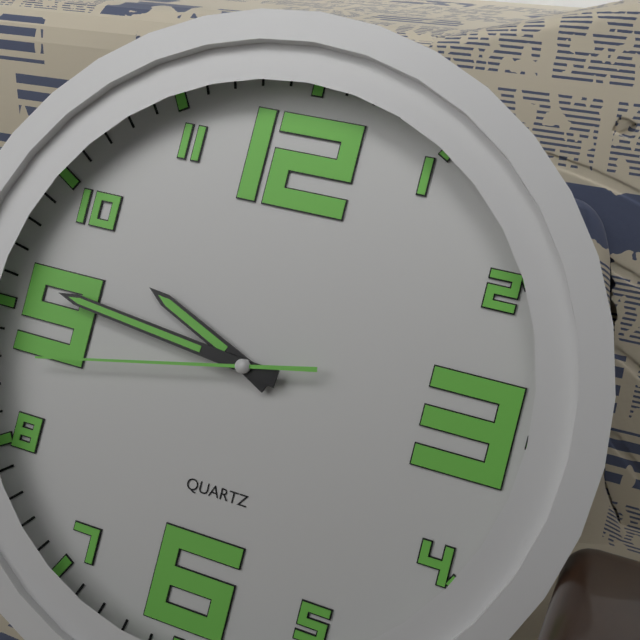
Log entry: 9:46:43
